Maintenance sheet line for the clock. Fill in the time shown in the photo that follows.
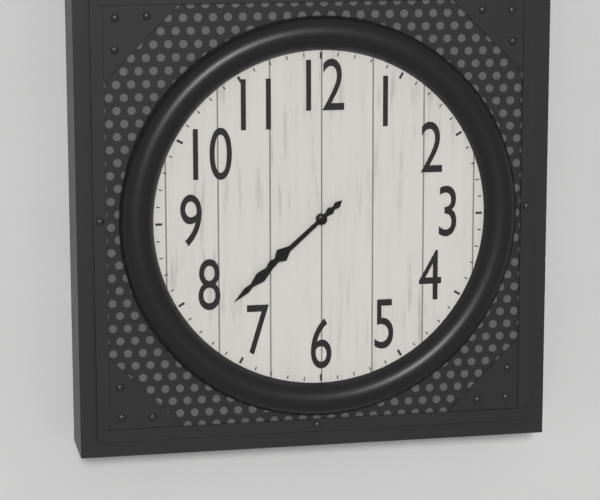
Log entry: 7:38
